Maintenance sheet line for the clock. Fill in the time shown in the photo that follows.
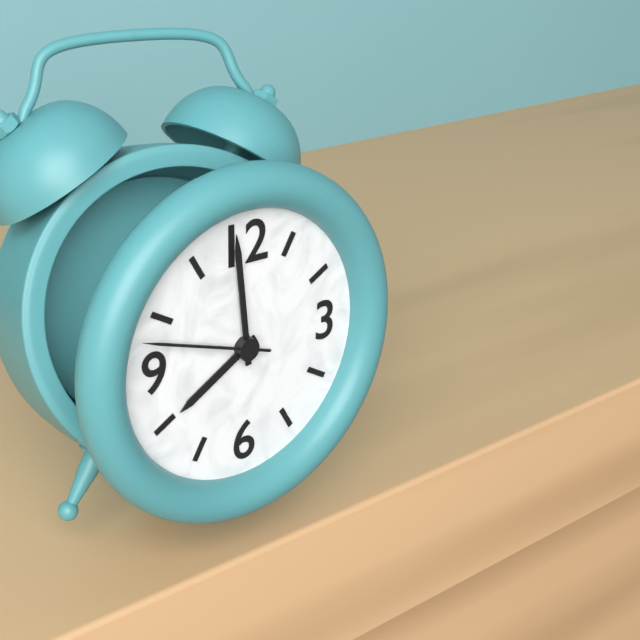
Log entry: 7:59:48
